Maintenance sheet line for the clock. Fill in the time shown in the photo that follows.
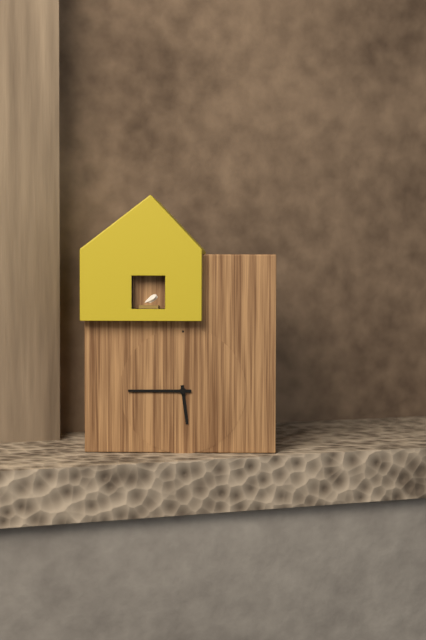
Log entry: 5:45
